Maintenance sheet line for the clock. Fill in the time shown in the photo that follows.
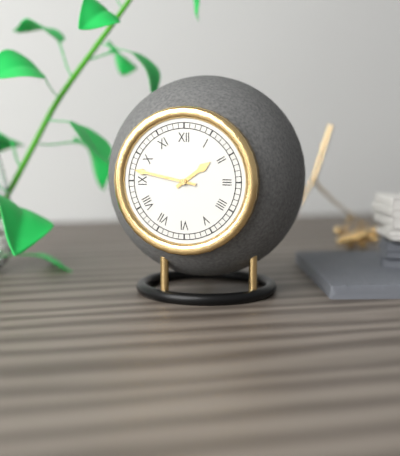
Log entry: 1:47
